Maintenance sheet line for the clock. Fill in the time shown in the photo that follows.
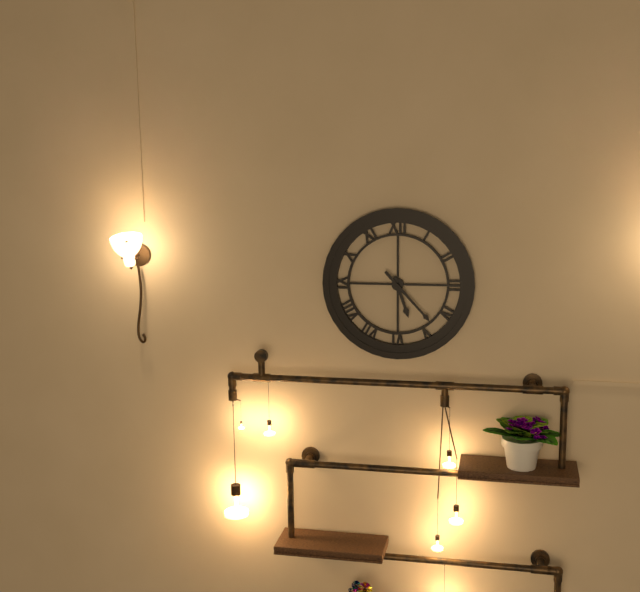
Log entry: 5:23
